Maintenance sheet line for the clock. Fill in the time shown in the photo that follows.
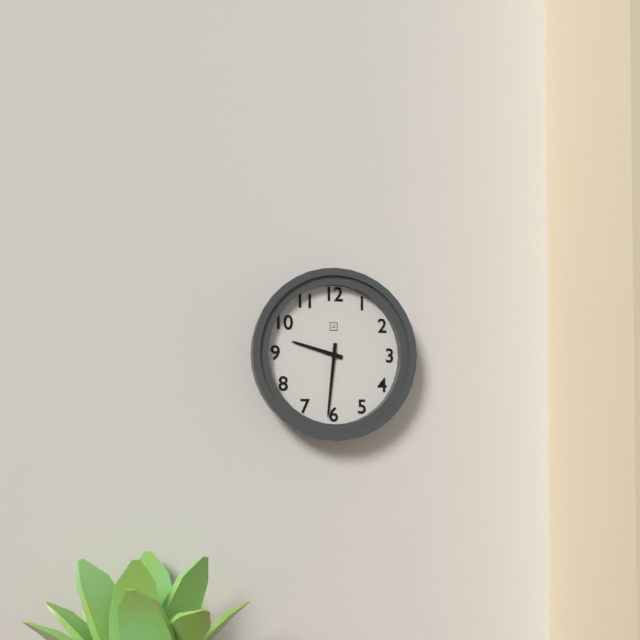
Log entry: 9:31
